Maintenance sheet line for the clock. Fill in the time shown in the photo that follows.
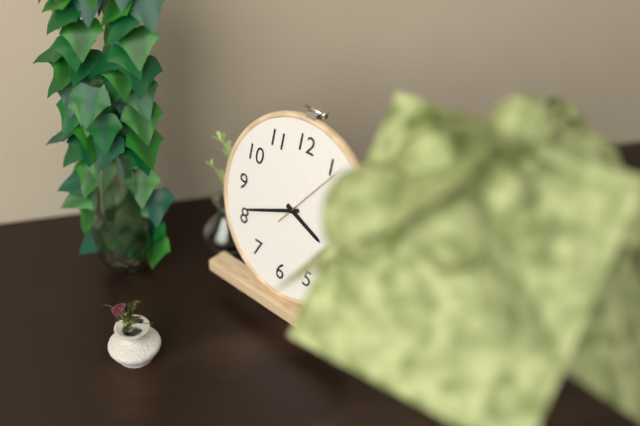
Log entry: 3:41:06
